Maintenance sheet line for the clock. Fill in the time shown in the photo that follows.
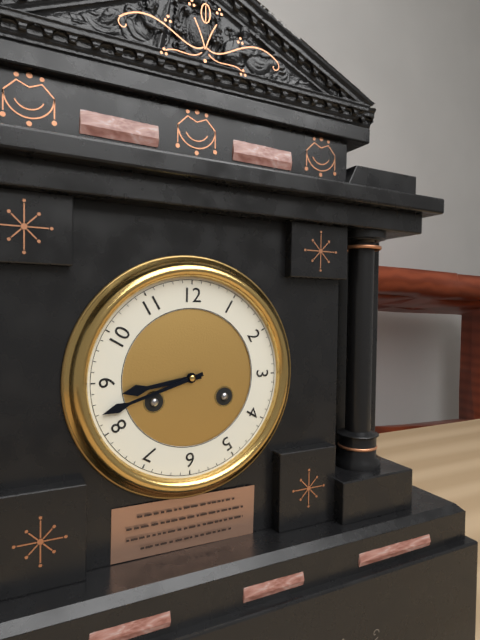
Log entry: 8:42
